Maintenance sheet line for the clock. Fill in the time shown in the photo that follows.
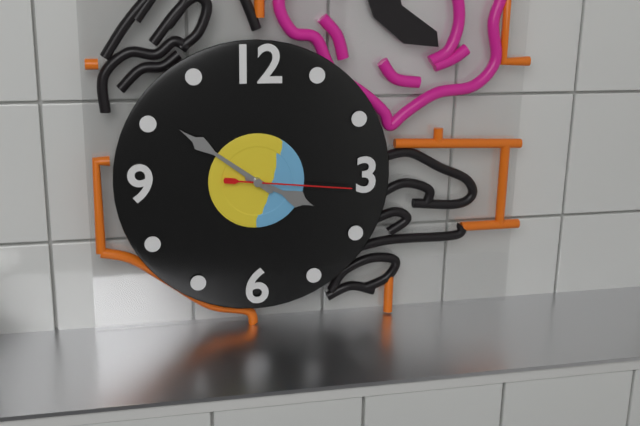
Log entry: 3:51:16
